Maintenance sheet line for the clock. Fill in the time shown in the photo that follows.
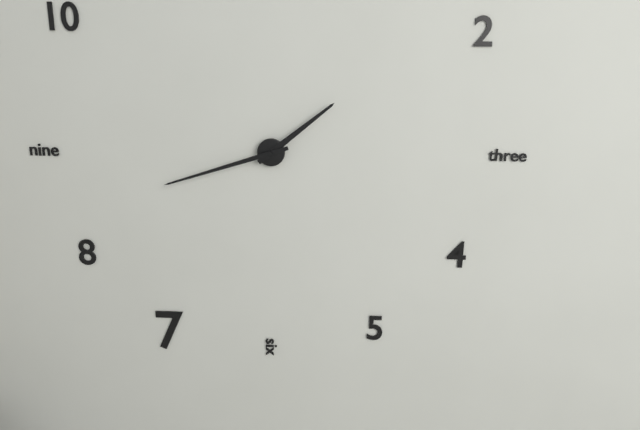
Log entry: 1:42
